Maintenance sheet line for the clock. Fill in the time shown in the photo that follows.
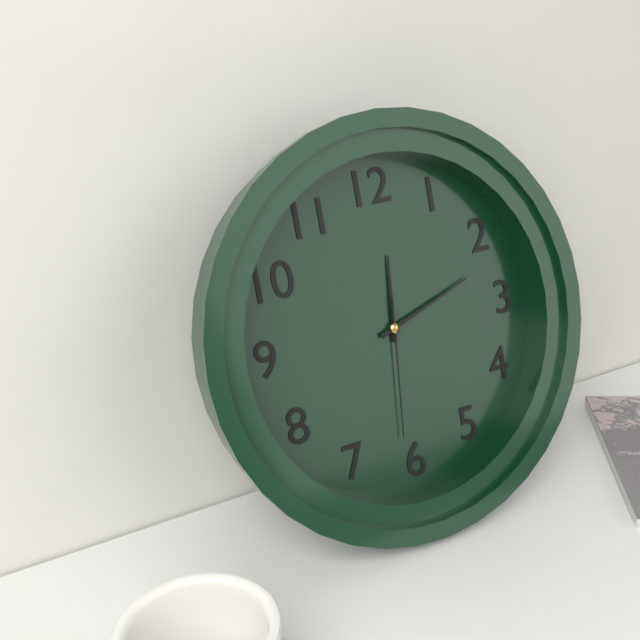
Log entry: 12:12:31
